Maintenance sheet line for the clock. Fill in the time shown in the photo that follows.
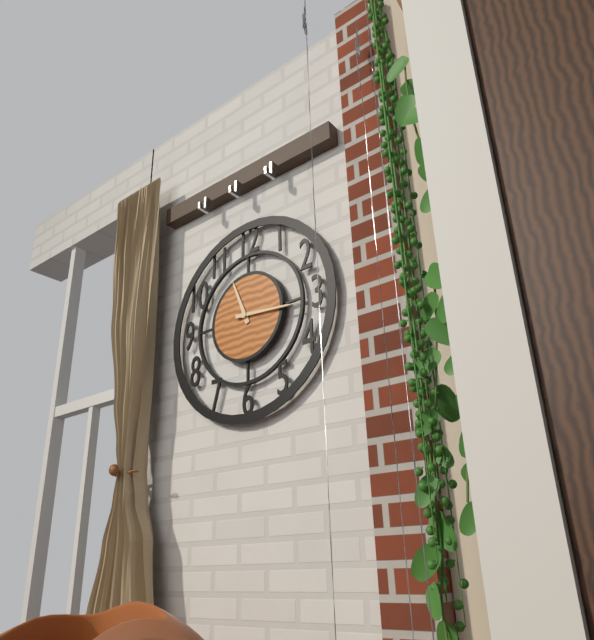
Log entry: 11:16
